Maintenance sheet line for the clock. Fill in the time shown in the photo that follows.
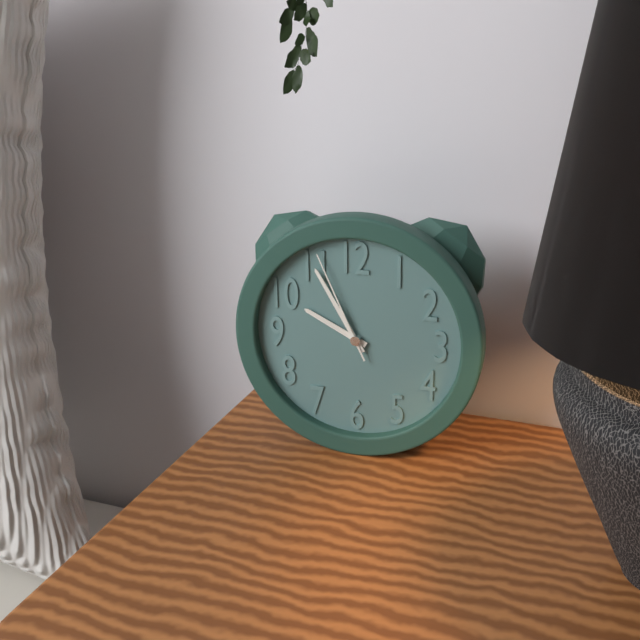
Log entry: 9:55:56
